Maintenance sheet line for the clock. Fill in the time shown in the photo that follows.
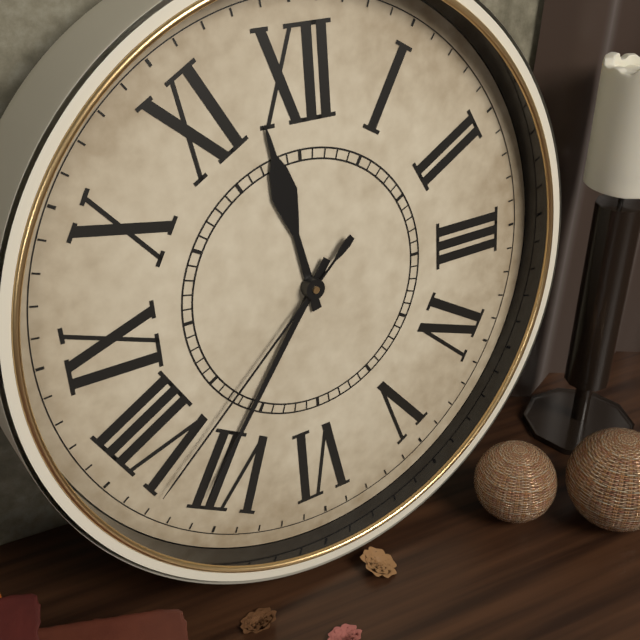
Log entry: 11:36:38
